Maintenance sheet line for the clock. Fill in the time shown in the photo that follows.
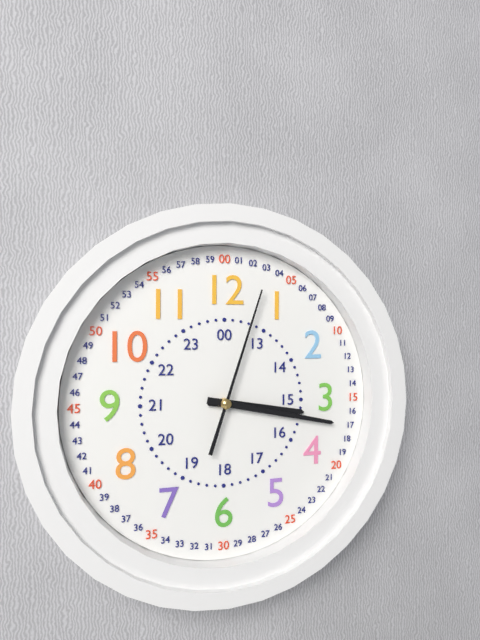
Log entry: 3:17:03
